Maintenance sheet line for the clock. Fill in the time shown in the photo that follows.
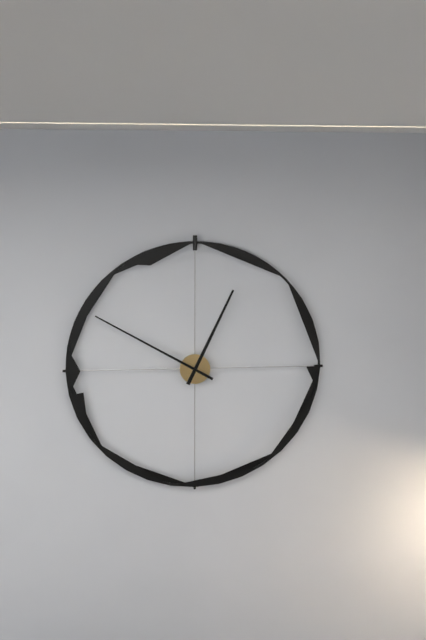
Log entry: 12:50
